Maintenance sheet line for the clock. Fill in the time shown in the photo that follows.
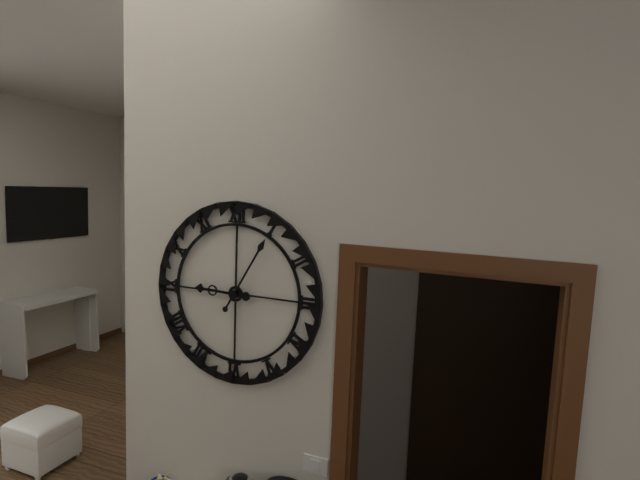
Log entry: 9:05
